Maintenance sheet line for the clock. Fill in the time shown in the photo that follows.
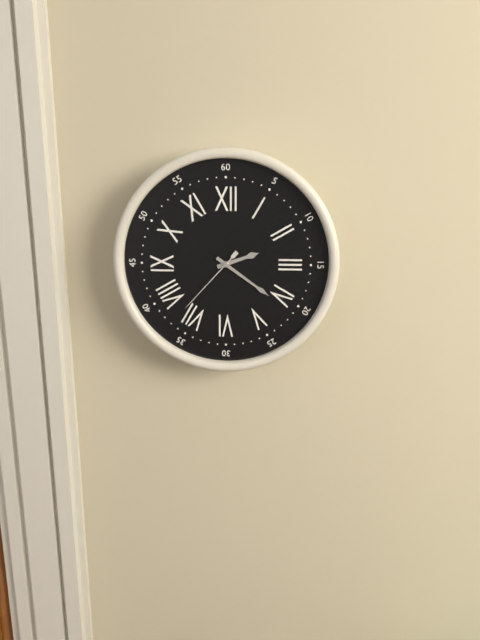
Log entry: 2:21:37
